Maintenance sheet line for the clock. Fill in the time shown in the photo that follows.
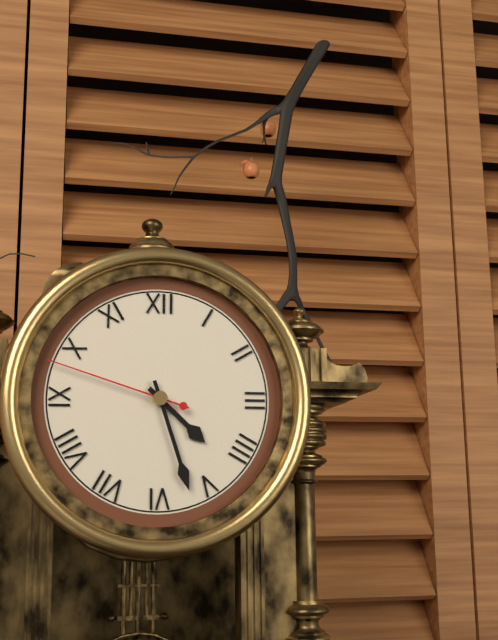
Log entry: 4:27:48
